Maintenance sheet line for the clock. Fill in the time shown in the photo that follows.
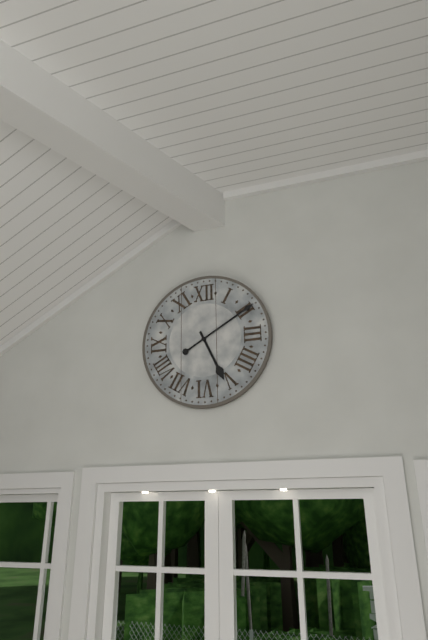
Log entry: 5:10
